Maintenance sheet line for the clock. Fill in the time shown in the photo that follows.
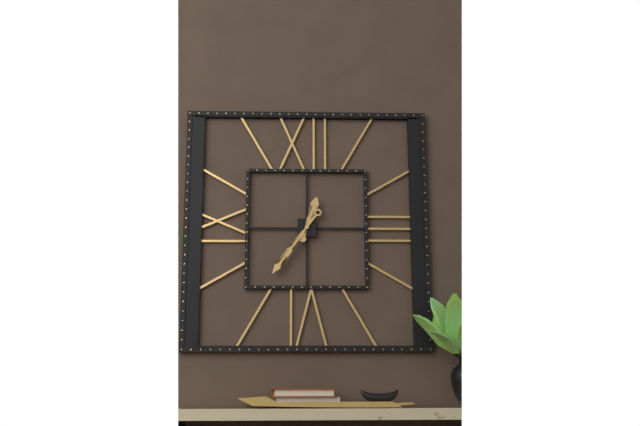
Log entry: 12:36
